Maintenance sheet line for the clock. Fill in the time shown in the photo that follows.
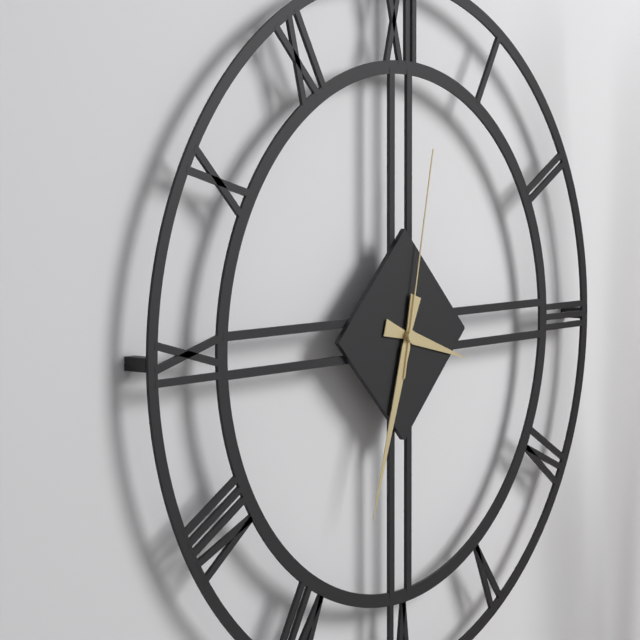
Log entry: 3:33:02
